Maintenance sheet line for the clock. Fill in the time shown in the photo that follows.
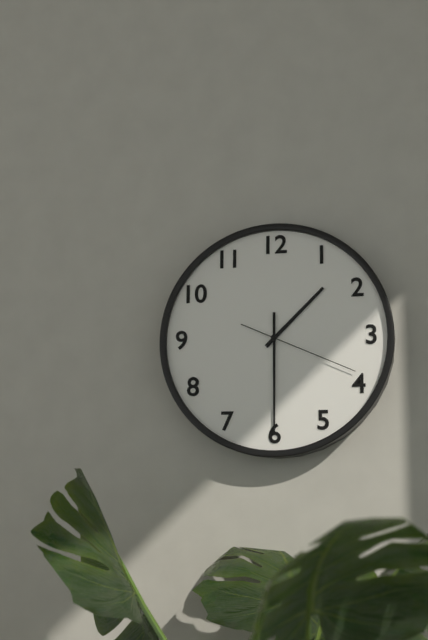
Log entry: 1:30:19
